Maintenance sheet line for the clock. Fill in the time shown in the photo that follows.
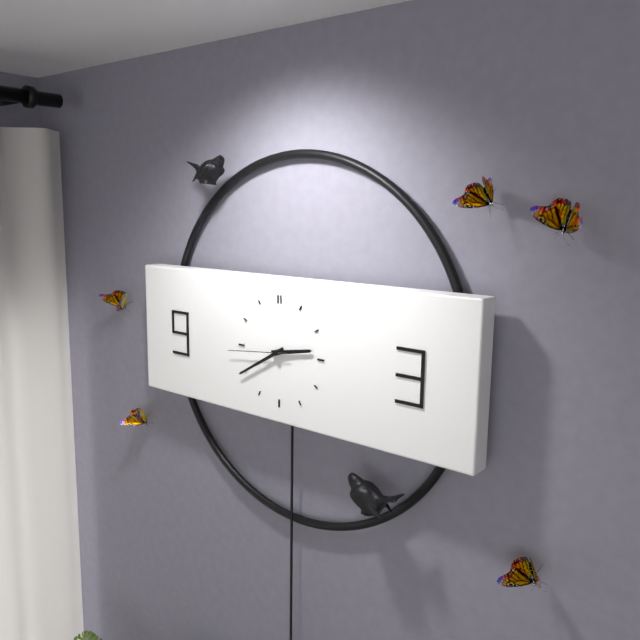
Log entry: 2:40:44
